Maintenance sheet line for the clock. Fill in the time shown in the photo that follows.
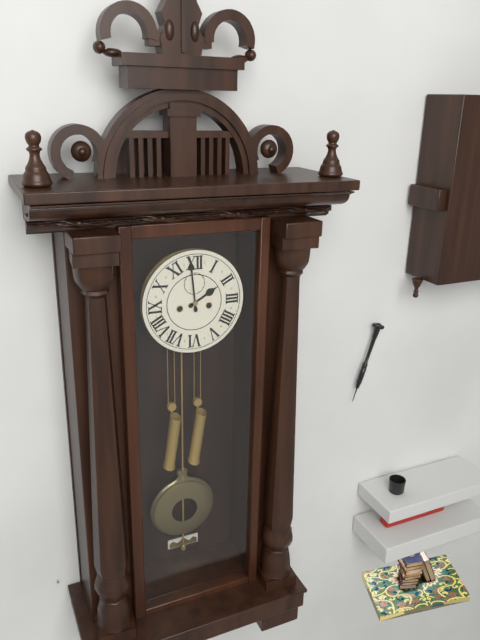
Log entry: 1:59
